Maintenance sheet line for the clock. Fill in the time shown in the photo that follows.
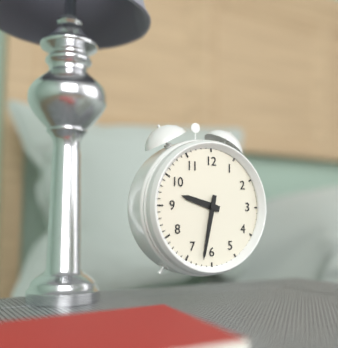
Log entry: 9:32
